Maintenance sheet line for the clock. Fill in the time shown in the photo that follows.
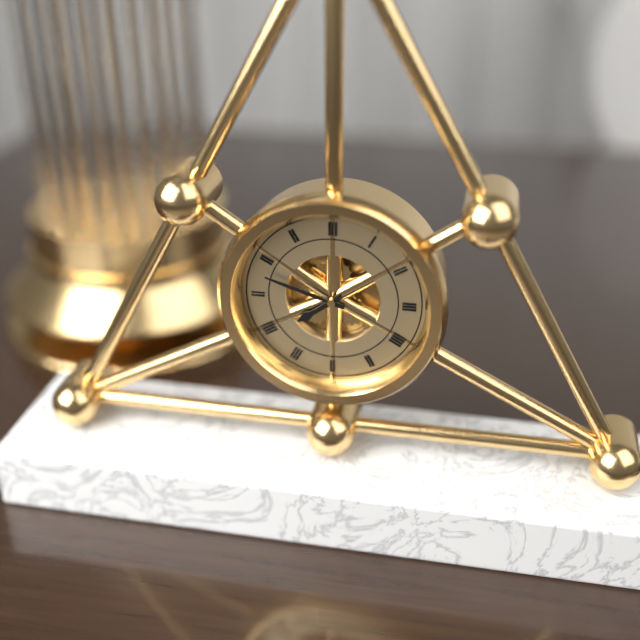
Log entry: 7:48
